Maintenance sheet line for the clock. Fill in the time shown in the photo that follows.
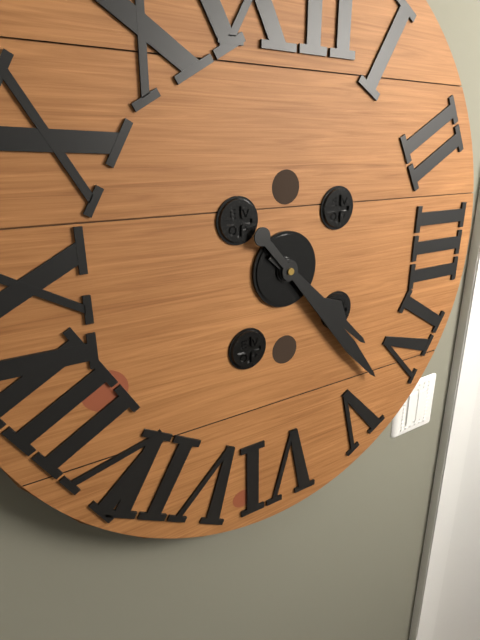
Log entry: 4:23
